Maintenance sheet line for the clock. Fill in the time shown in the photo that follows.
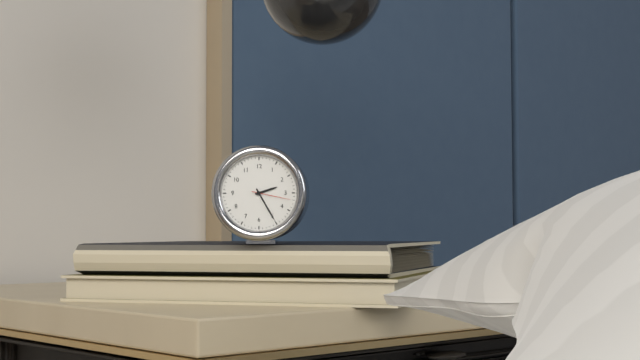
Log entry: 2:25
